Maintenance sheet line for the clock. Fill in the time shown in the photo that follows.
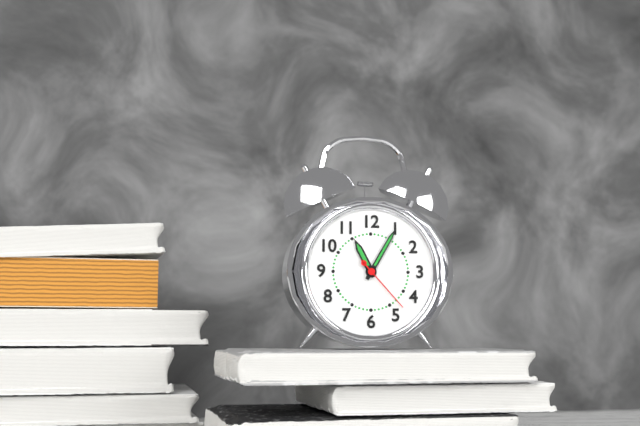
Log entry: 11:05:23
